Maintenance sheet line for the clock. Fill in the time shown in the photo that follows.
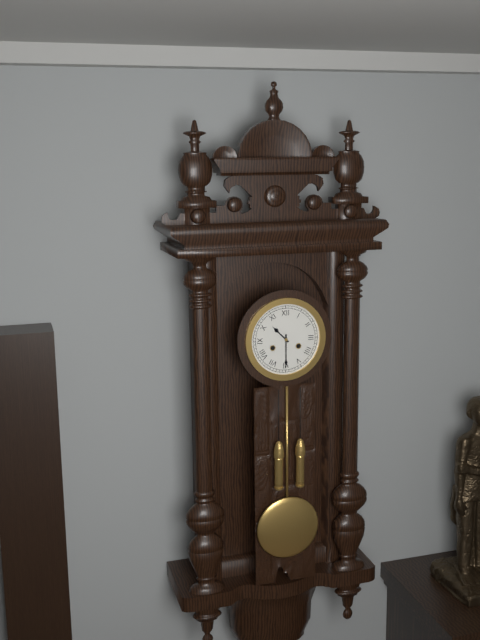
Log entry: 10:30
